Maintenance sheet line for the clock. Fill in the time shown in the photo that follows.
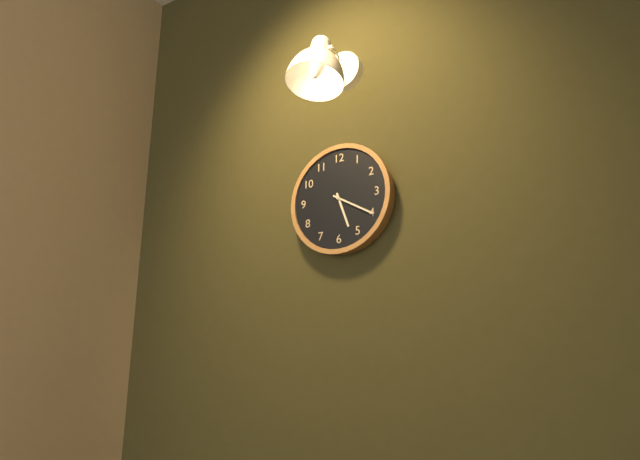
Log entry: 5:20
